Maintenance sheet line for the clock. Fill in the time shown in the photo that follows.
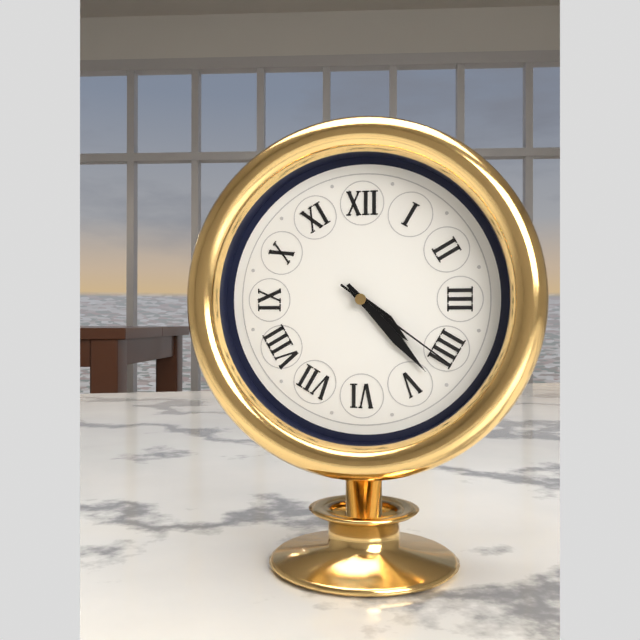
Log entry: 4:23:21
